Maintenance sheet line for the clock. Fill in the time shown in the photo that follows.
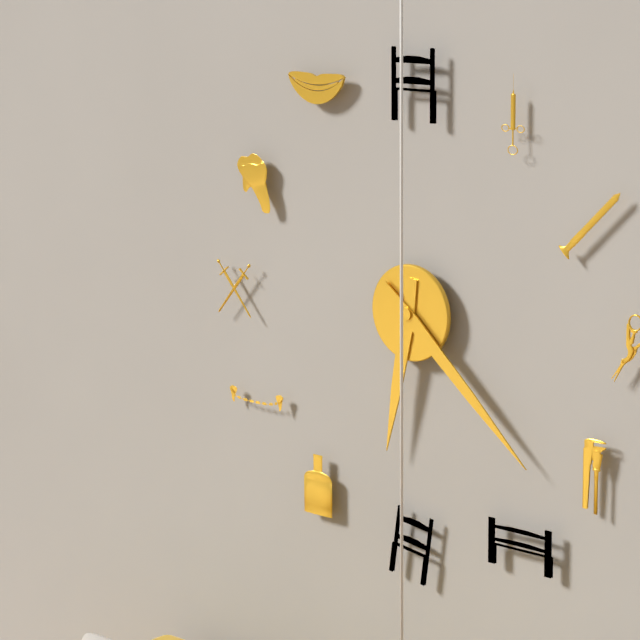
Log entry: 6:22
